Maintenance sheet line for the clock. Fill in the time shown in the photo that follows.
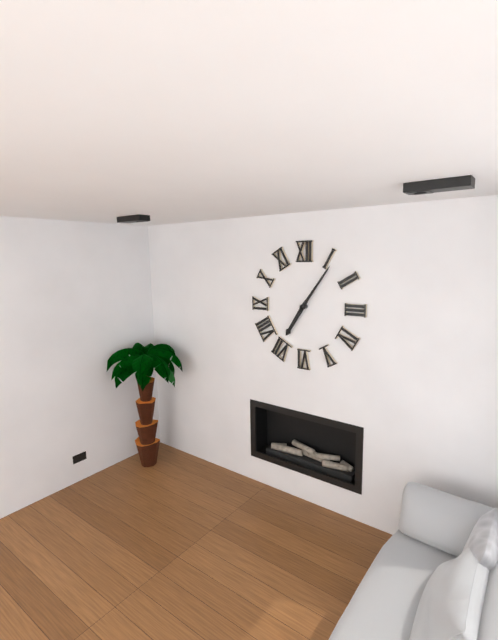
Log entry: 7:06
